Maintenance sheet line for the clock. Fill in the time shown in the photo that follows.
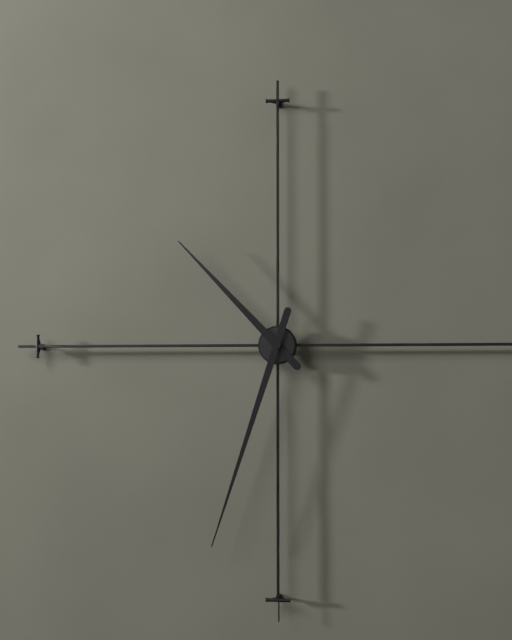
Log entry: 10:33
